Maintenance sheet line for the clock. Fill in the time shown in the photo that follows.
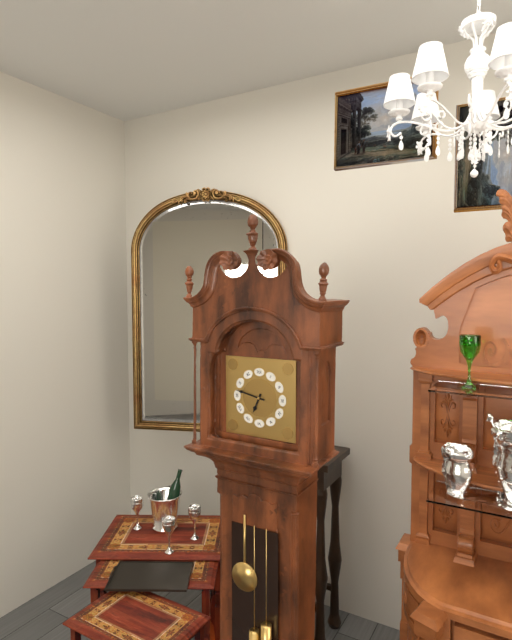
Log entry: 6:47
